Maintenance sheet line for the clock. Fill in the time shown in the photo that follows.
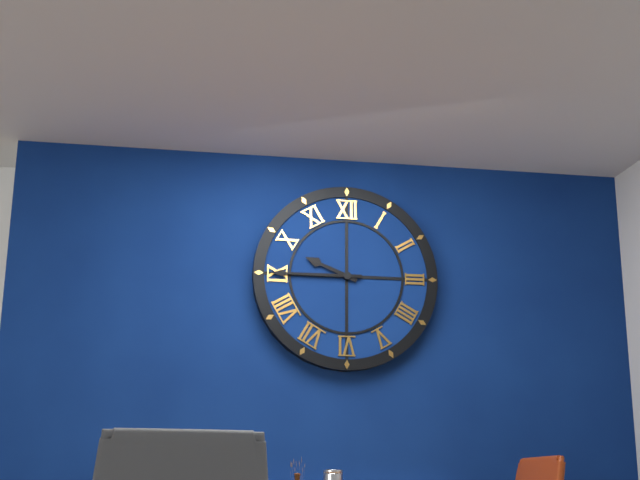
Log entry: 9:45
